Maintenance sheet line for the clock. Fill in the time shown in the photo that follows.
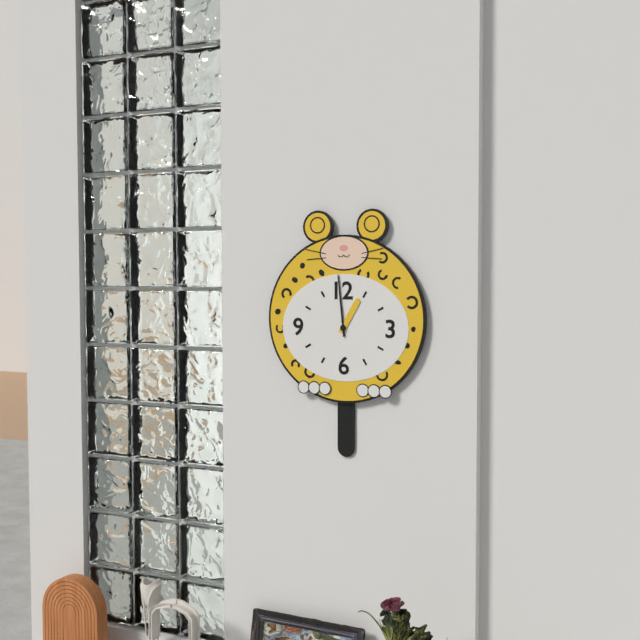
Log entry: 12:59
